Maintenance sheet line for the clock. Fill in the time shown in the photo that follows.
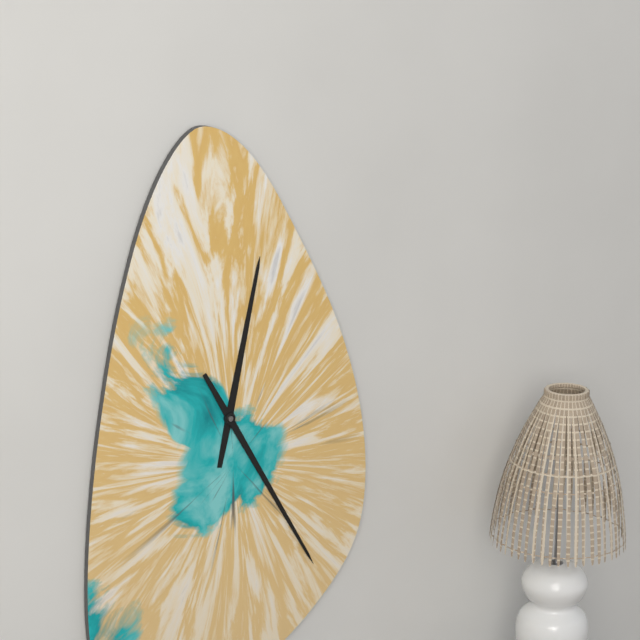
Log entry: 12:25
